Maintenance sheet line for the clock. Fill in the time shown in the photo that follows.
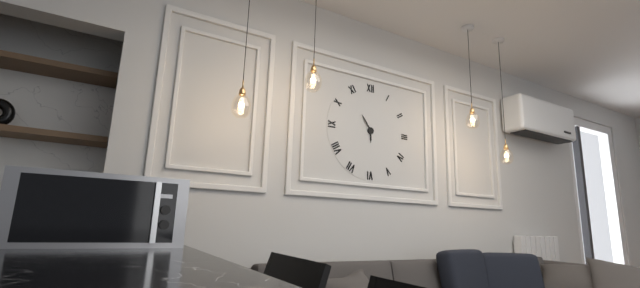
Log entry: 5:54
